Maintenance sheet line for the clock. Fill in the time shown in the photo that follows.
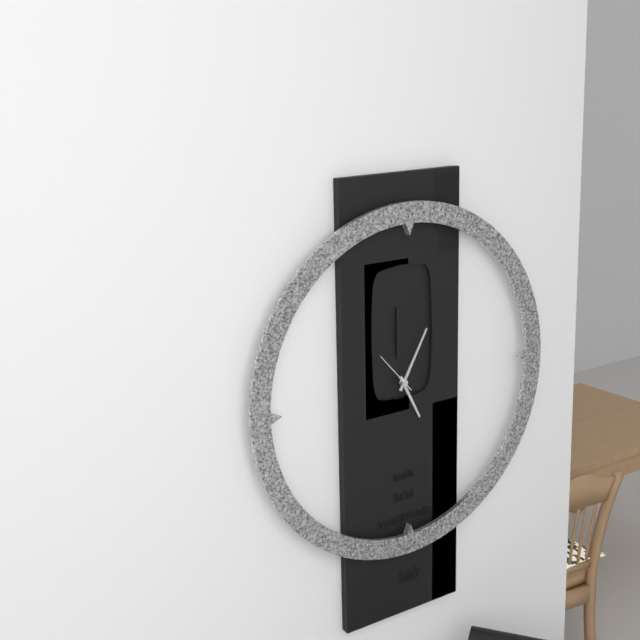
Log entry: 5:05
